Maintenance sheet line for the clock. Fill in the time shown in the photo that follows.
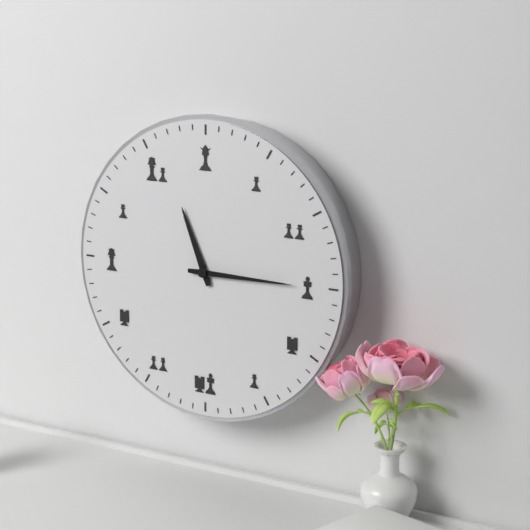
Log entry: 11:15
